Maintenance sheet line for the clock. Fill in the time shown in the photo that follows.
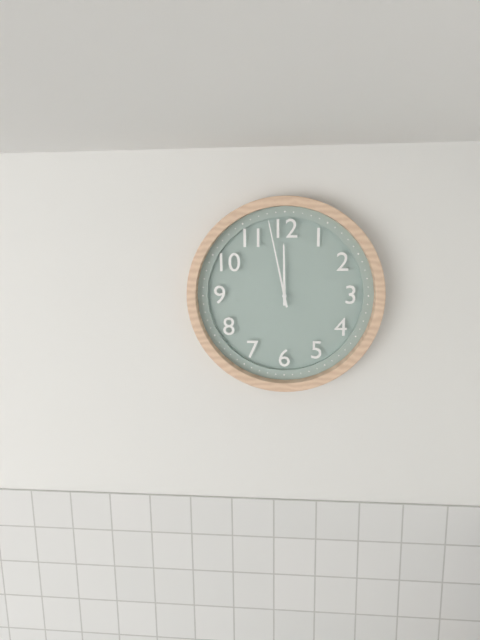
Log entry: 11:58
